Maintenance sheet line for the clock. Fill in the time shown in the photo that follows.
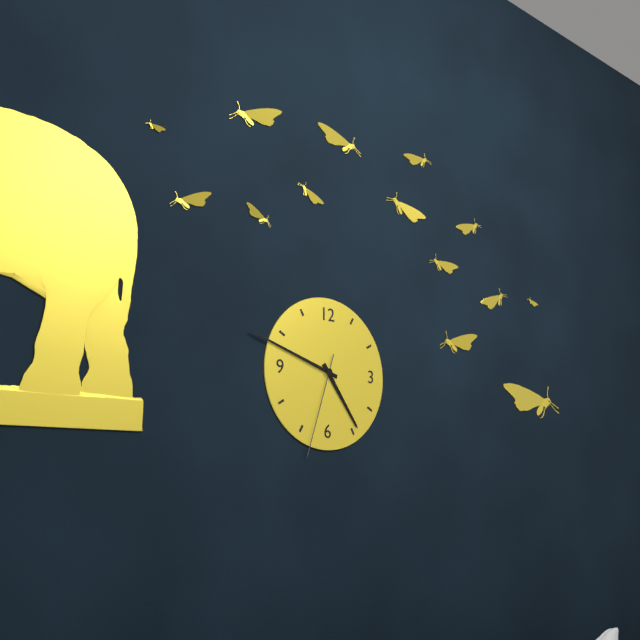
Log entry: 4:48:33
